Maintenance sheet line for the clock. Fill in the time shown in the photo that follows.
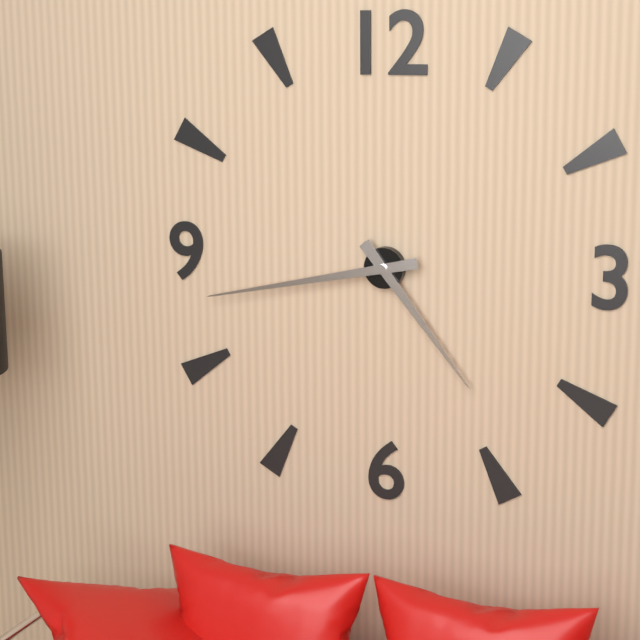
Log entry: 4:43
